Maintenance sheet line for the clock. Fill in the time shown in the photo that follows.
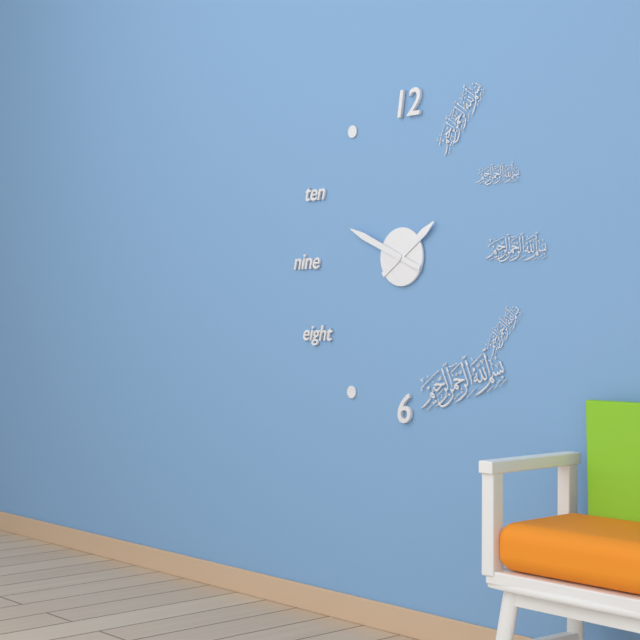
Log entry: 1:49
